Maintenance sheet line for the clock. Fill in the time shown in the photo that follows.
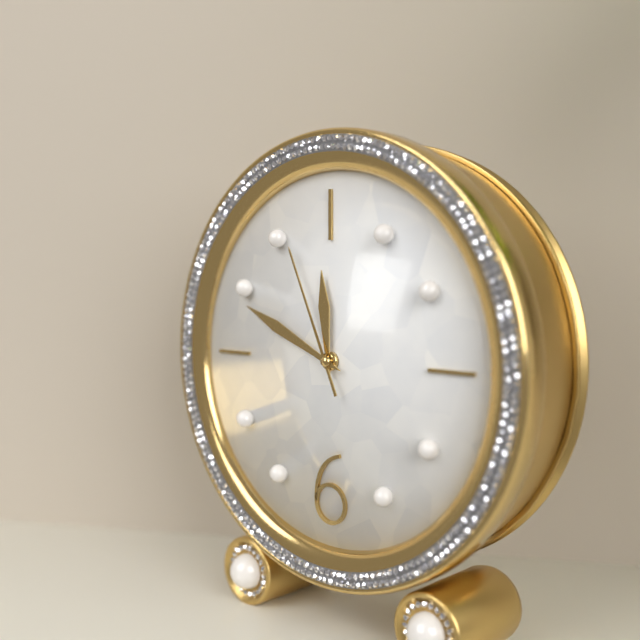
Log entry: 11:49:56
